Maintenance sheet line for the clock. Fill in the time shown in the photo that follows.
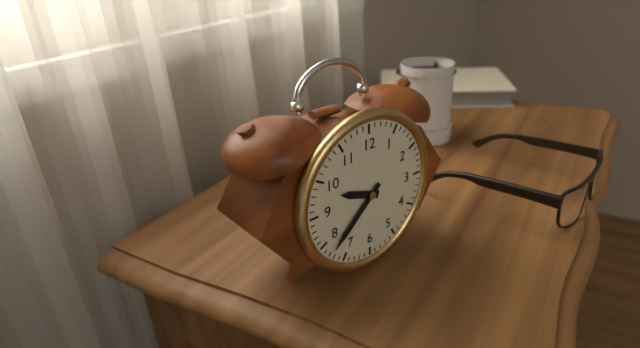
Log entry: 9:38
